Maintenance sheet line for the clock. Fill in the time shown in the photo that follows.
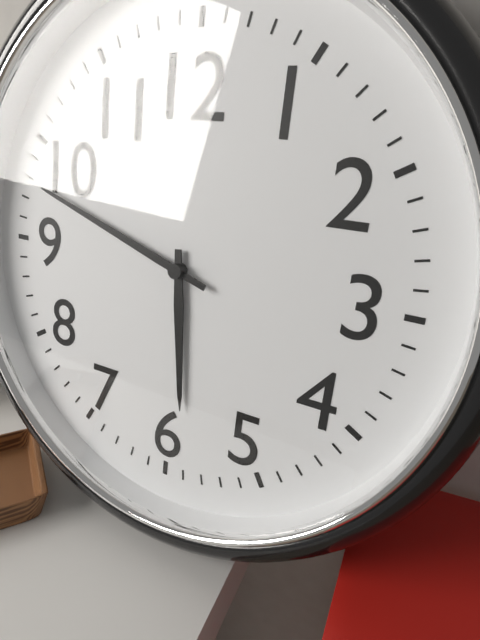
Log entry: 5:48
